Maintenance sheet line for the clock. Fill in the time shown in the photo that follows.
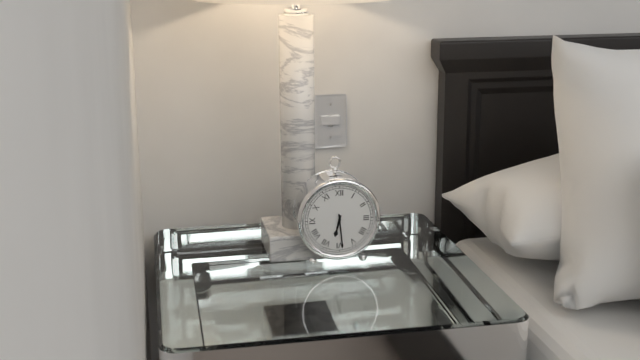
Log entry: 6:29
